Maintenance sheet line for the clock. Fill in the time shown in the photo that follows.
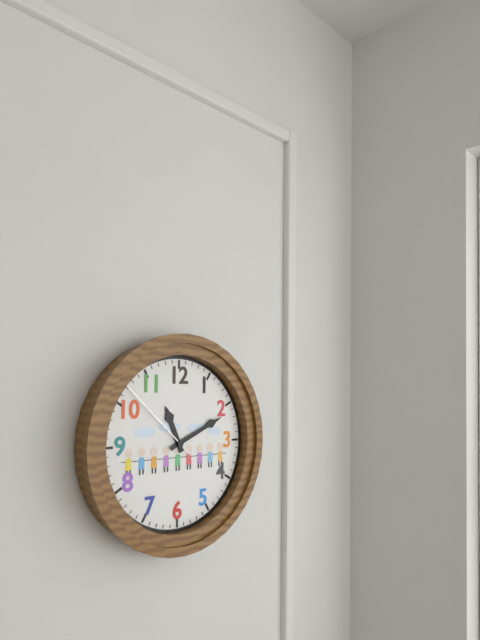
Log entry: 11:11:52
